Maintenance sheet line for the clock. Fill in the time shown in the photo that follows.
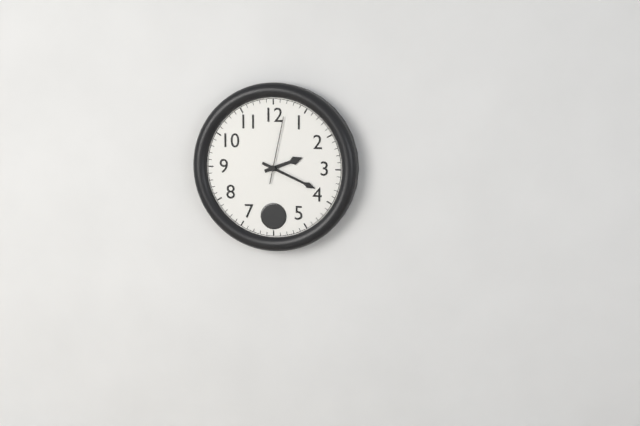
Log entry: 2:19:02
